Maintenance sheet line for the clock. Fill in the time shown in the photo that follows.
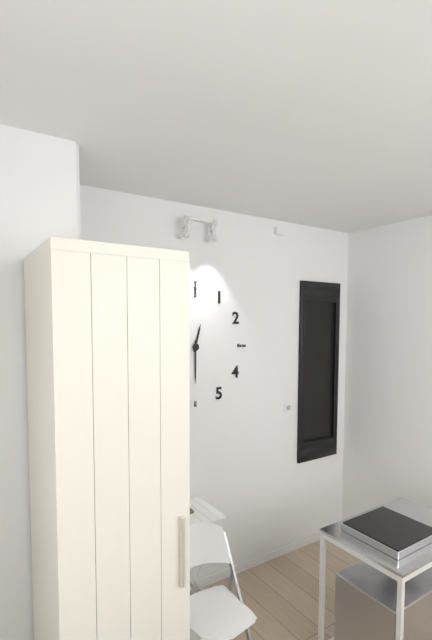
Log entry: 12:30
